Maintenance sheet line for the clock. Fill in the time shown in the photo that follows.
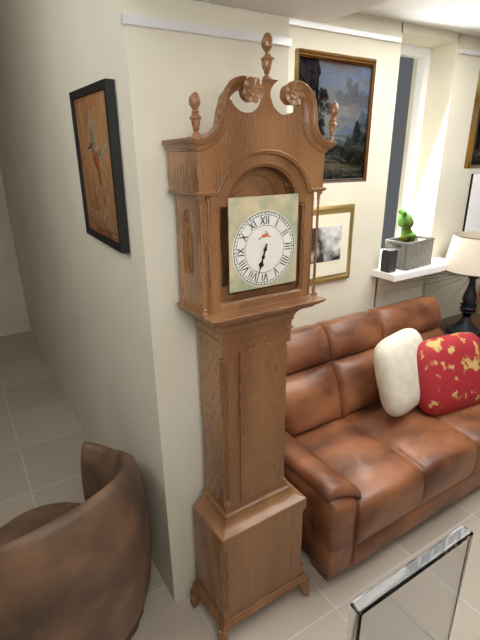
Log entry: 6:33
